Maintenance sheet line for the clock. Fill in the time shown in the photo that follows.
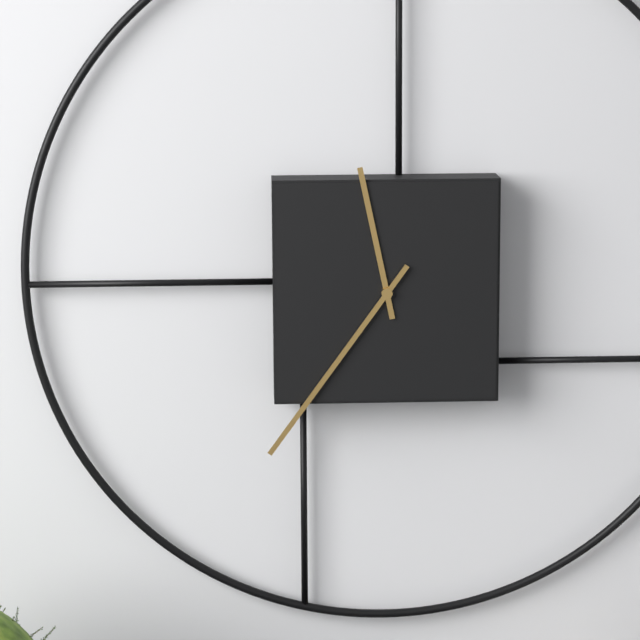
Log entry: 11:36
